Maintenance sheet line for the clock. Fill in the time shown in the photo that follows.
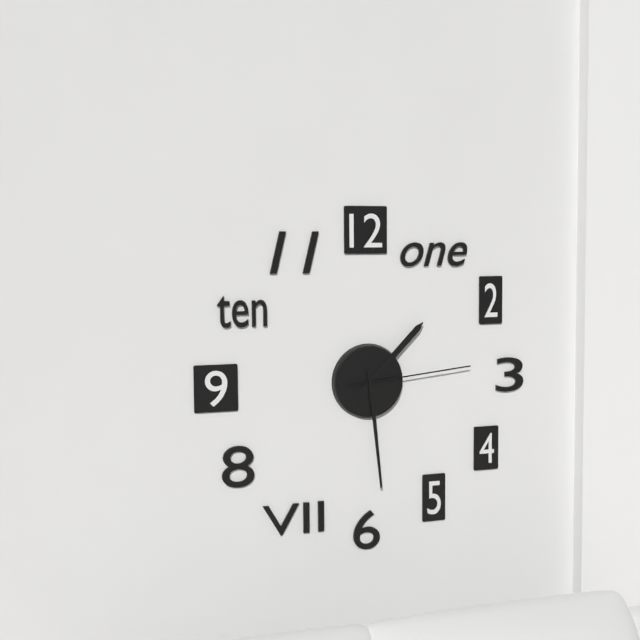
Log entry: 1:29:14
